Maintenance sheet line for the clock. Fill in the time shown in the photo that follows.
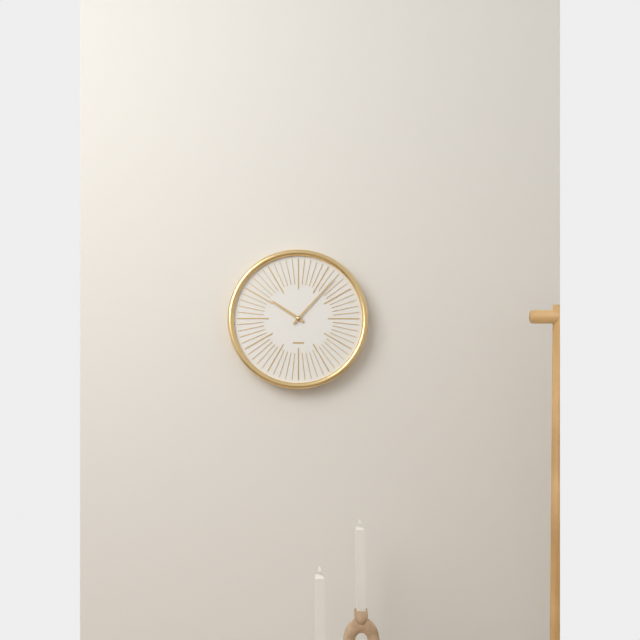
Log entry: 10:07
